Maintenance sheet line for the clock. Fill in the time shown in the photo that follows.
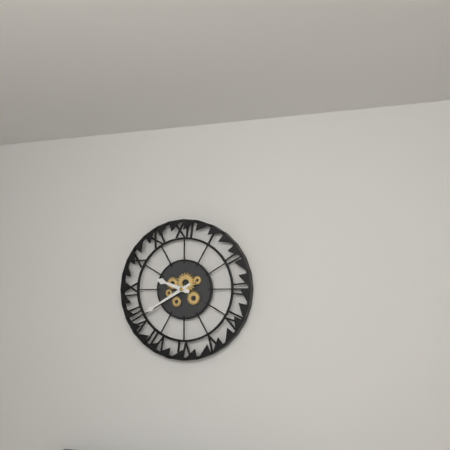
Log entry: 9:40
